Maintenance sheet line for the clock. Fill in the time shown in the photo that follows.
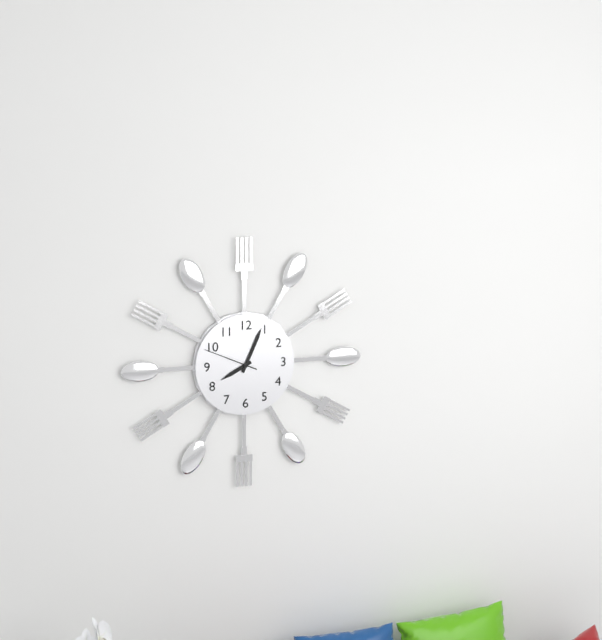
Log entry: 8:04:49
